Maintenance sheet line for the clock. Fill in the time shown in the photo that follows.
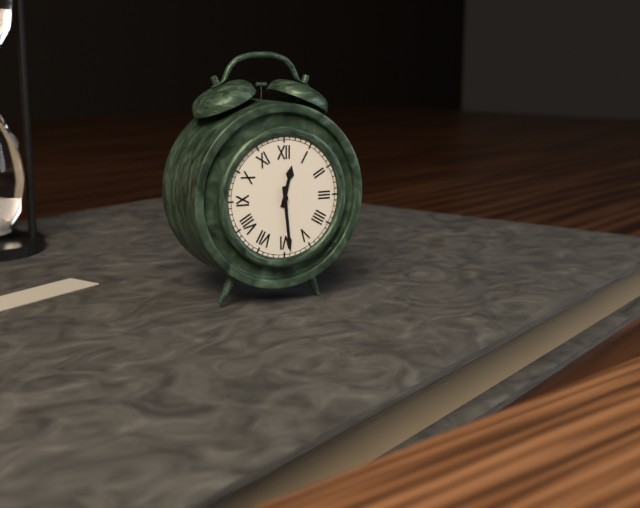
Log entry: 12:29
